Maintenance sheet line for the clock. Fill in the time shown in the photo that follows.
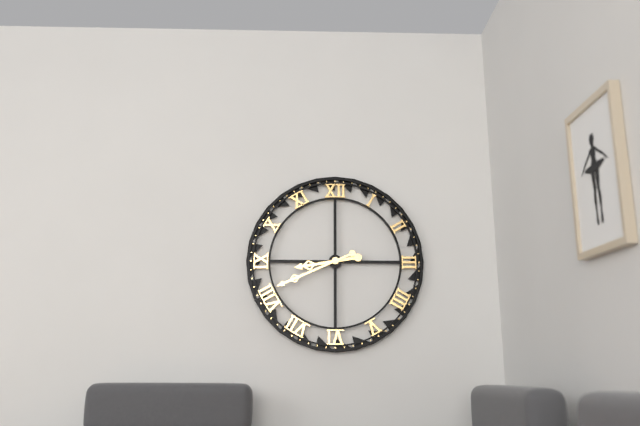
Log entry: 8:41
